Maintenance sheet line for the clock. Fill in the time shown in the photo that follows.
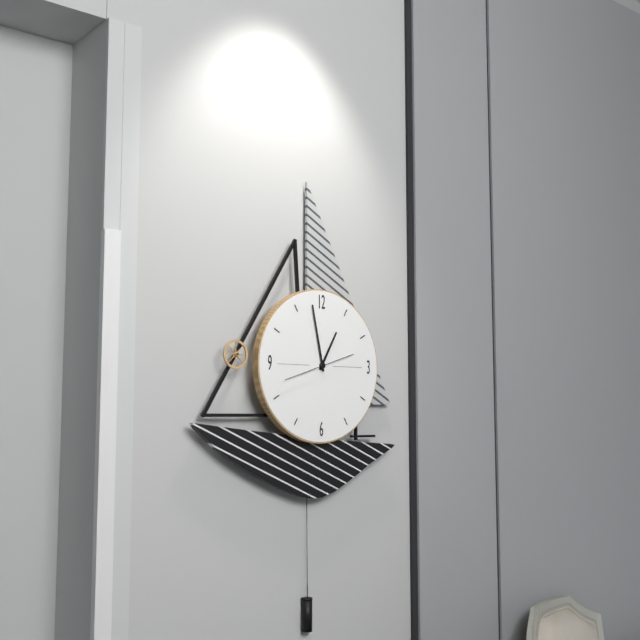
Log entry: 12:58:42
